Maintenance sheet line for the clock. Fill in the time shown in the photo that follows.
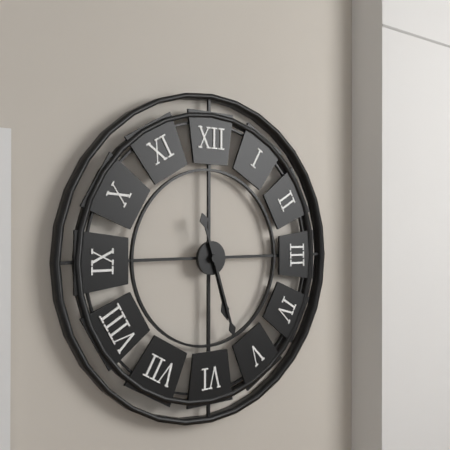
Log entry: 5:27
